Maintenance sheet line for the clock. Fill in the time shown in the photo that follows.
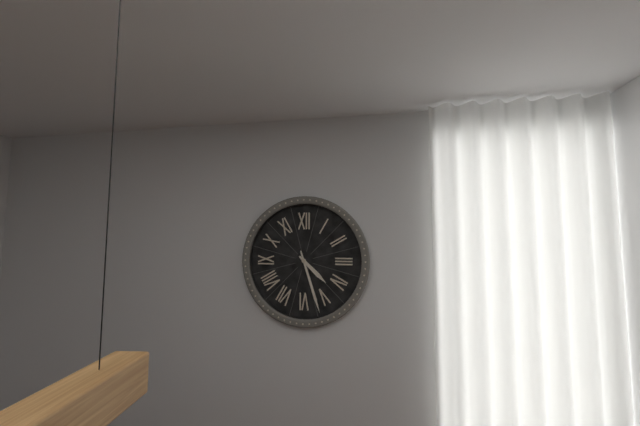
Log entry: 4:27
